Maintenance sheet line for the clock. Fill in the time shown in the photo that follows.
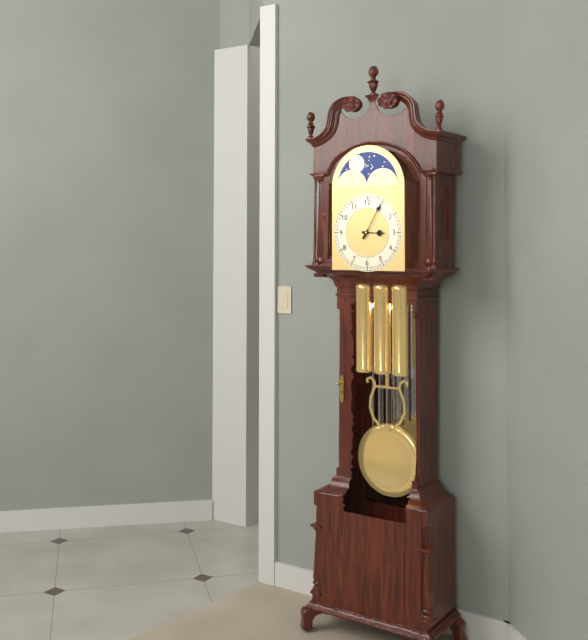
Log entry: 3:05
